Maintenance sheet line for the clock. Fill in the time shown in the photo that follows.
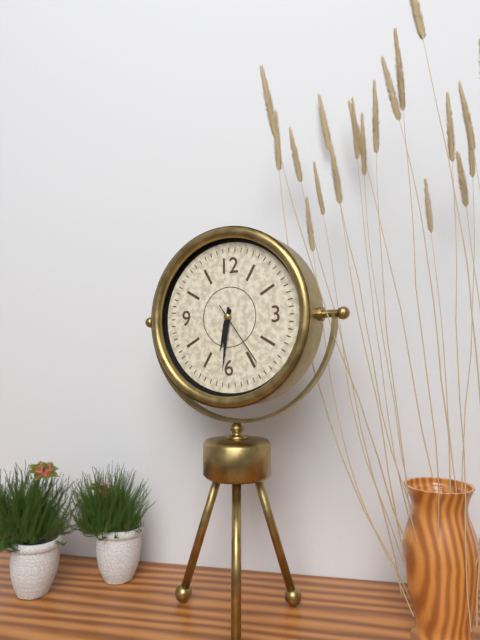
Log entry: 6:31:24
